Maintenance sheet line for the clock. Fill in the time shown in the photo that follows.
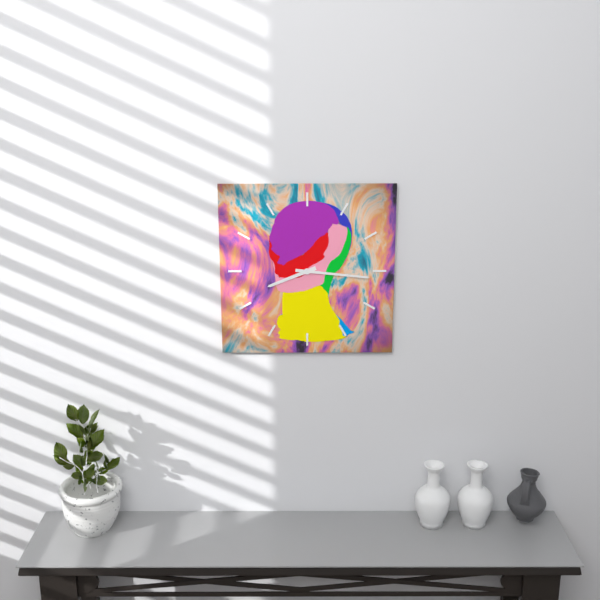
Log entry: 8:16
